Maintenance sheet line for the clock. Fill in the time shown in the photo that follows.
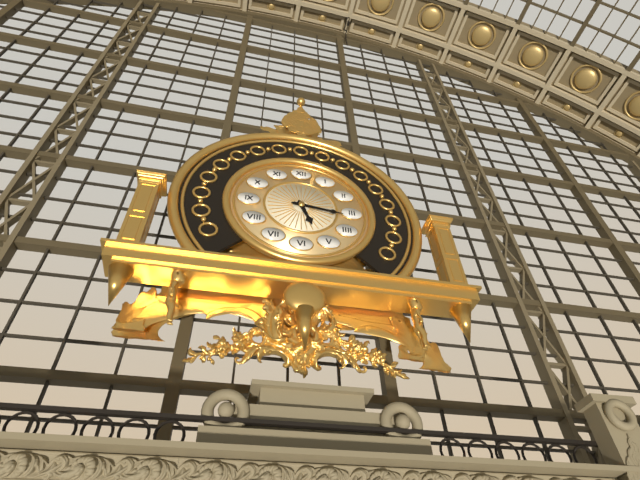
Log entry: 5:16
